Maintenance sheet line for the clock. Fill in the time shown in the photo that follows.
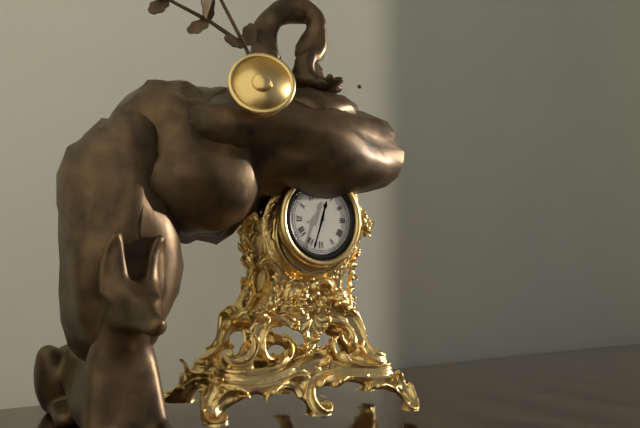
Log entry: 12:33
